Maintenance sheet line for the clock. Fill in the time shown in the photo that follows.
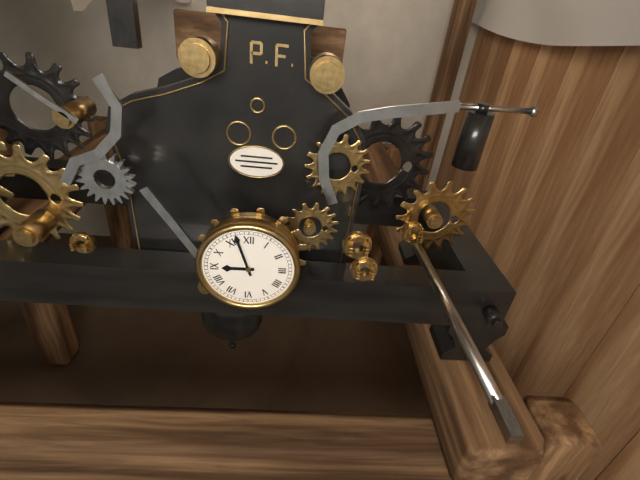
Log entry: 8:57
